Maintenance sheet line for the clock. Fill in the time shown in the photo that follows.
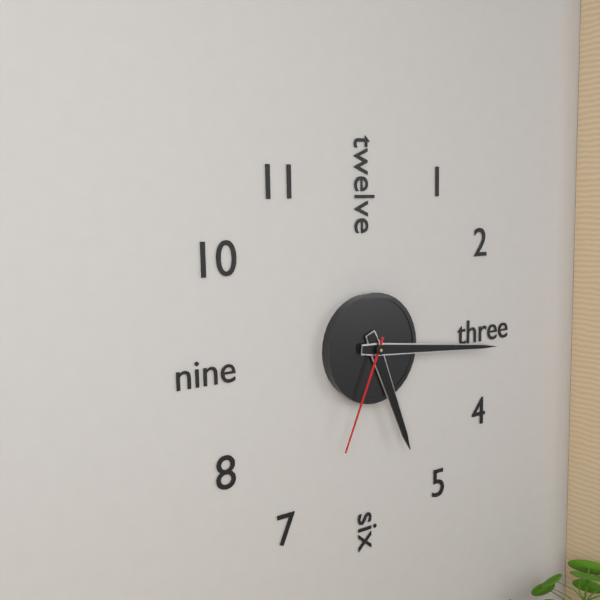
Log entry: 5:16:34
